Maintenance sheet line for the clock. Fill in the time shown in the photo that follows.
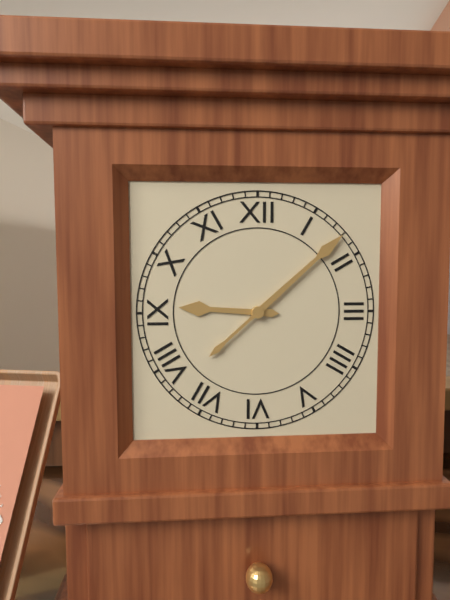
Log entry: 9:08
